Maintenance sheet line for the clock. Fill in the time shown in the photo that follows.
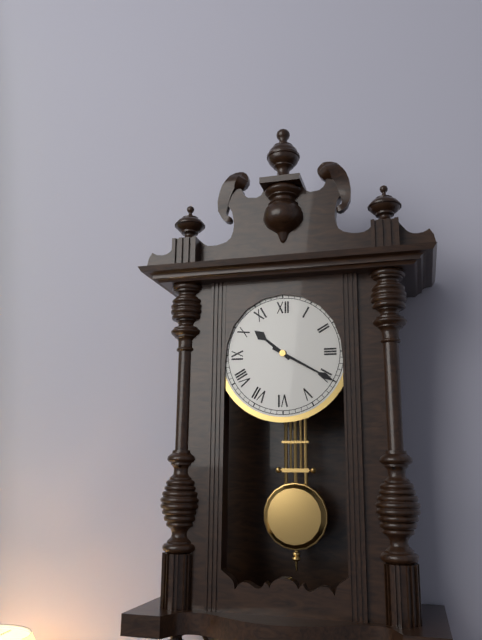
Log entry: 10:20
